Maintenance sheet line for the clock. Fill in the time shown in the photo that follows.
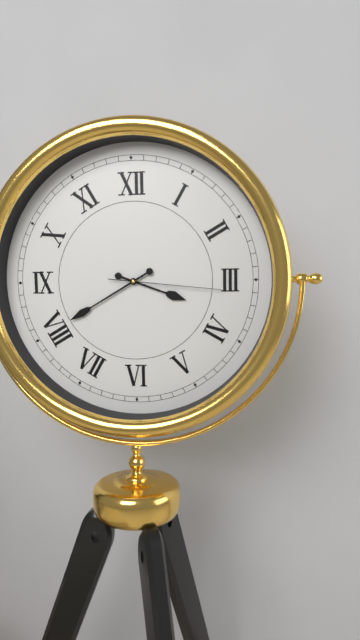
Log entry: 3:40:16
